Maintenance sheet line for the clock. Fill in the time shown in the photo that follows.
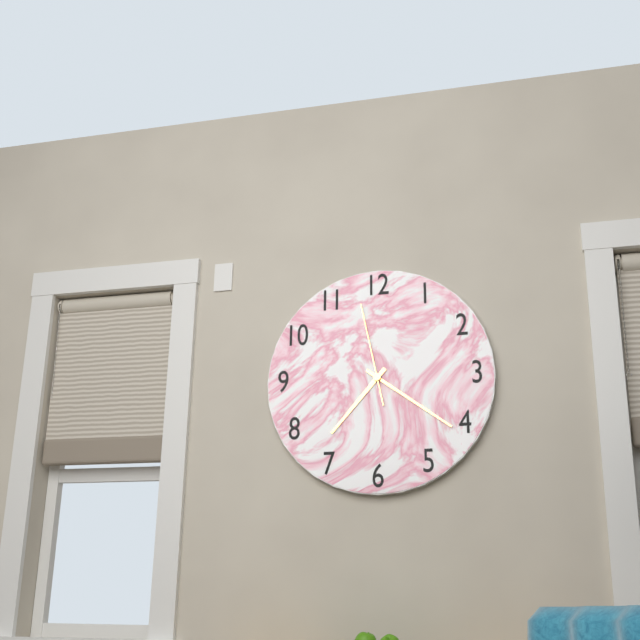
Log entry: 7:21:58
